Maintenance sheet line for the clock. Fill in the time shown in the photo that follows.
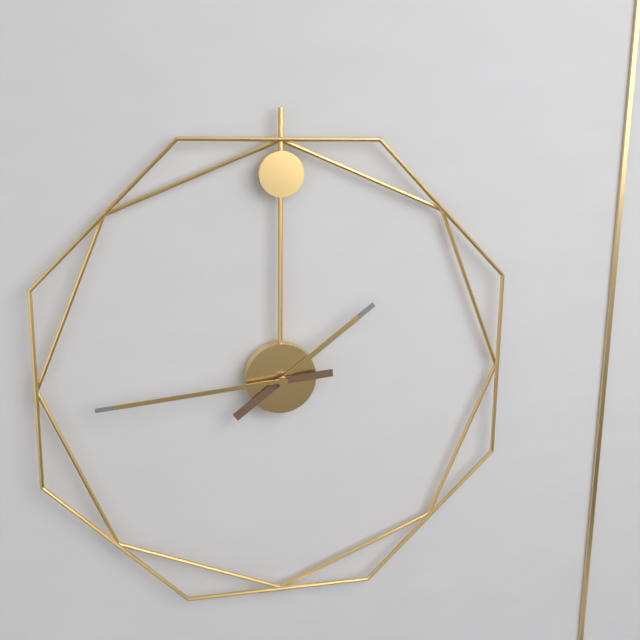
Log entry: 1:44
